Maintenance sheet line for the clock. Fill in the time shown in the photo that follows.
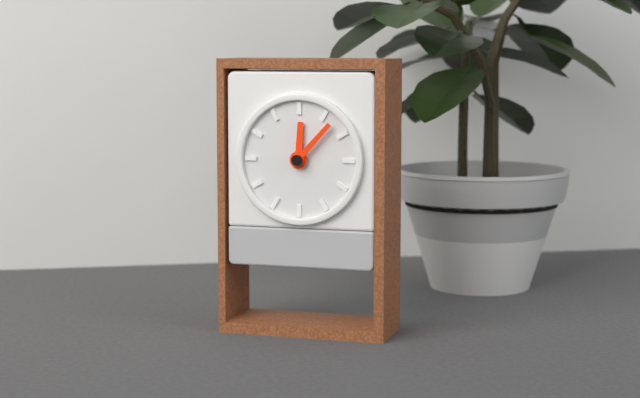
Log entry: 12:07
